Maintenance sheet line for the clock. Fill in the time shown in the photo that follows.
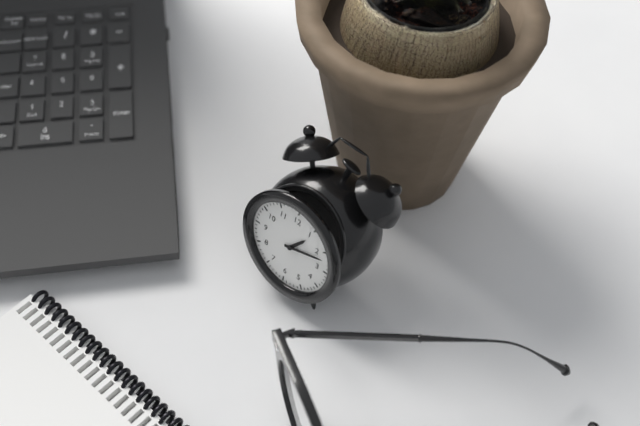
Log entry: 1:12
